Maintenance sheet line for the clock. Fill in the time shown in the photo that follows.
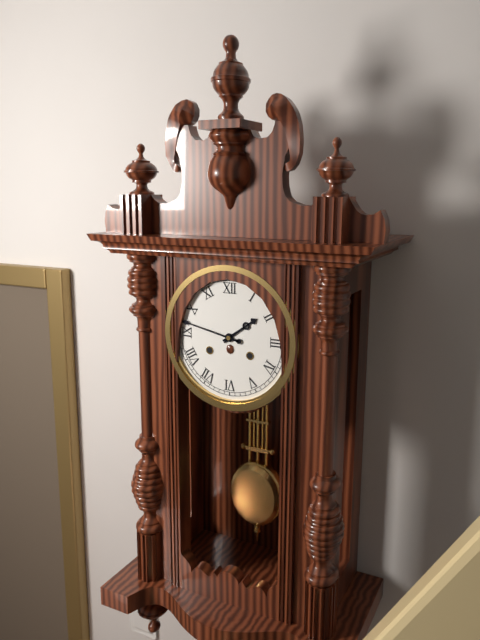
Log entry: 1:47
